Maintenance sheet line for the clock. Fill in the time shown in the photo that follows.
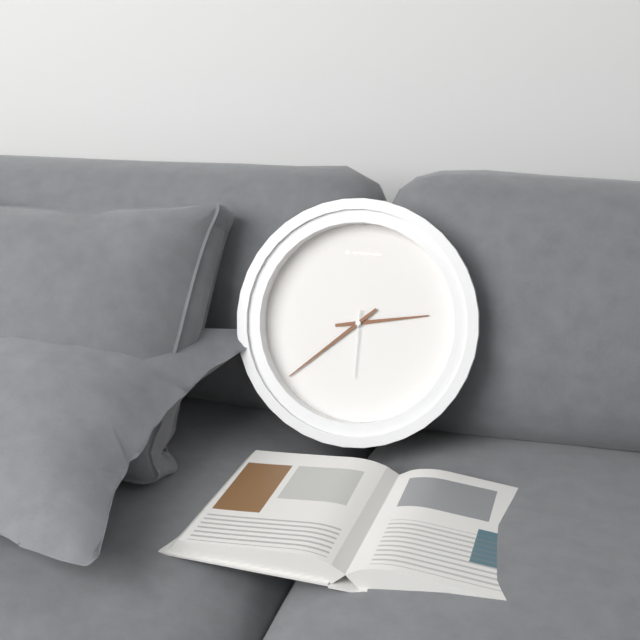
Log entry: 2:38:30
